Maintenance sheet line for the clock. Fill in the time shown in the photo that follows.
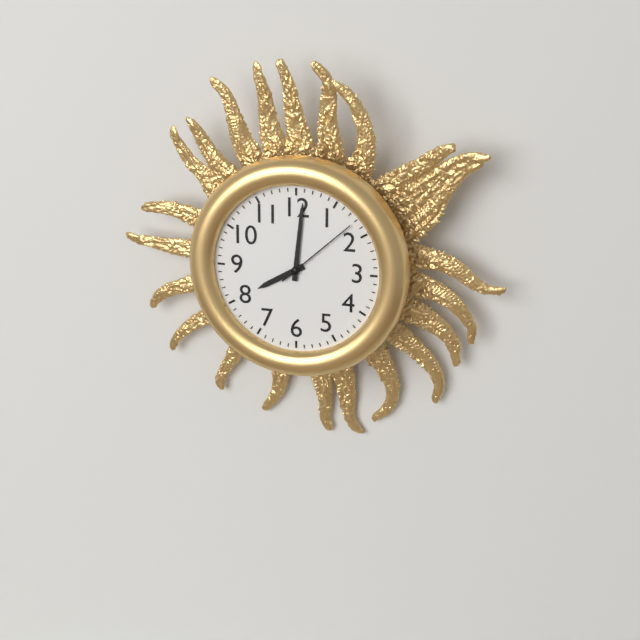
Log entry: 8:01:08
